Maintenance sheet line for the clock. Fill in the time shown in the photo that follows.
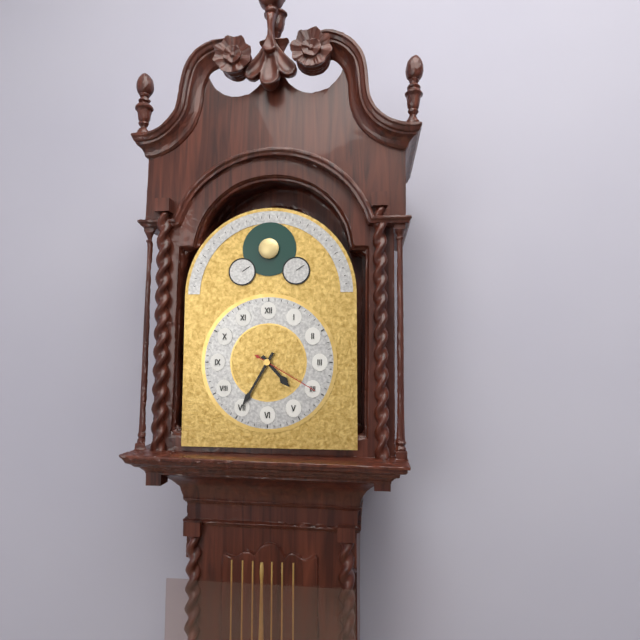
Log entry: 4:35:20
